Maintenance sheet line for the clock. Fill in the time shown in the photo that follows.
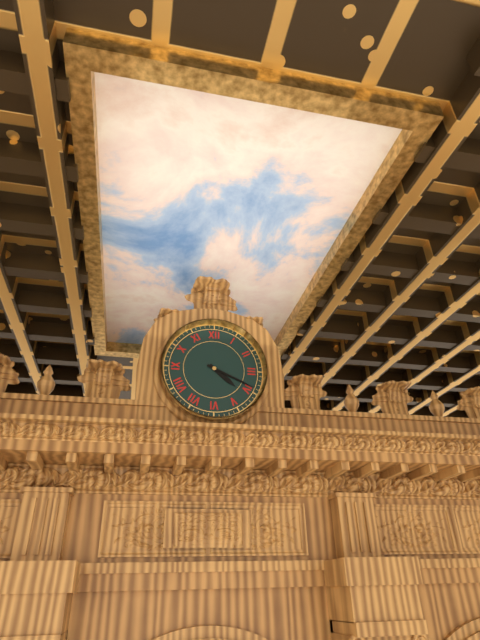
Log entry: 4:19
